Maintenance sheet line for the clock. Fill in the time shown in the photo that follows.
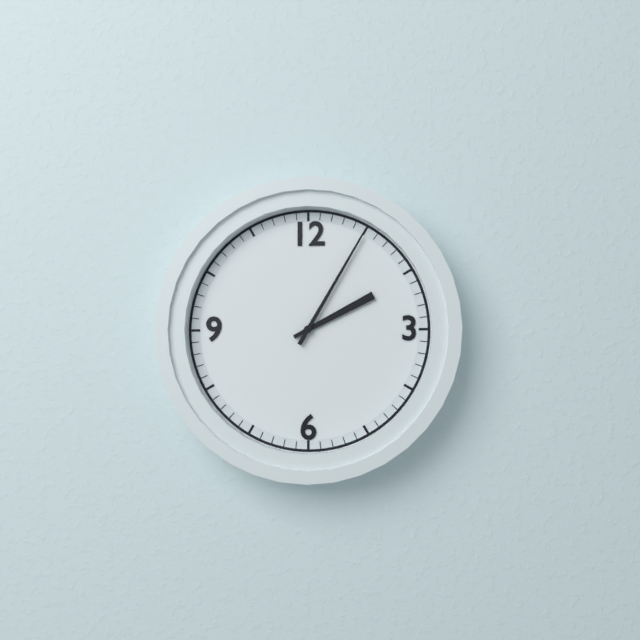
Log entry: 2:05
